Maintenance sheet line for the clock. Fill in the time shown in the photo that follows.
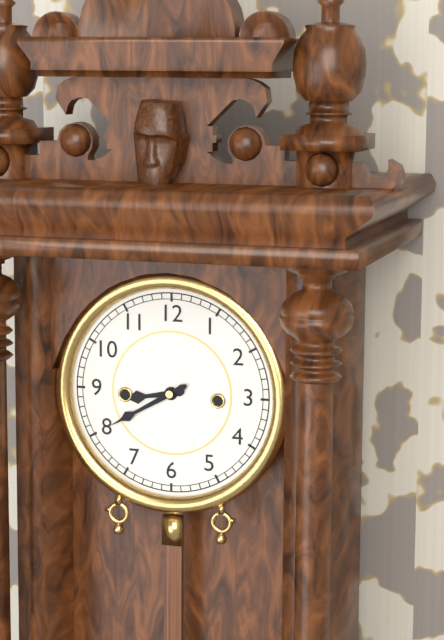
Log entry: 8:40
